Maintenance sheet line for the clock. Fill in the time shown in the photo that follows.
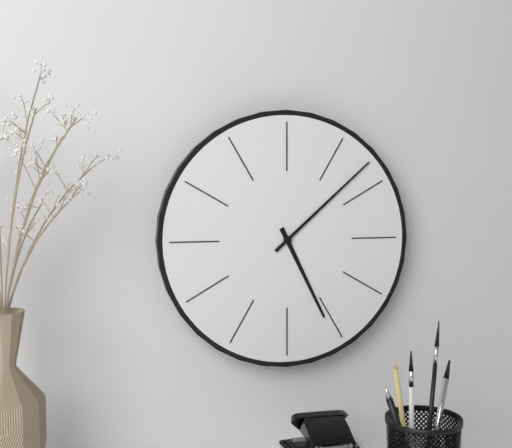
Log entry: 5:08
